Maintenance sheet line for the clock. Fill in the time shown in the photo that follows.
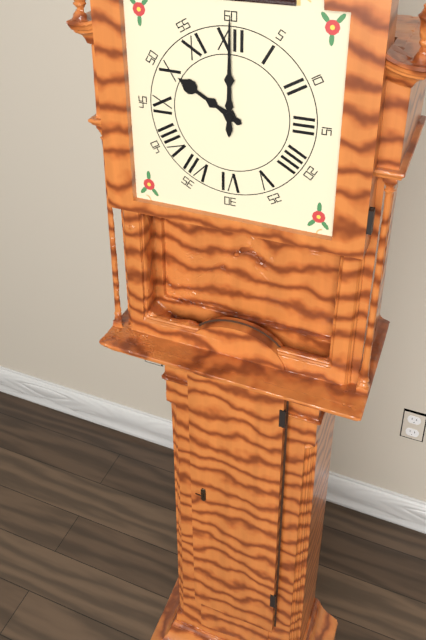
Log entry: 10:00
